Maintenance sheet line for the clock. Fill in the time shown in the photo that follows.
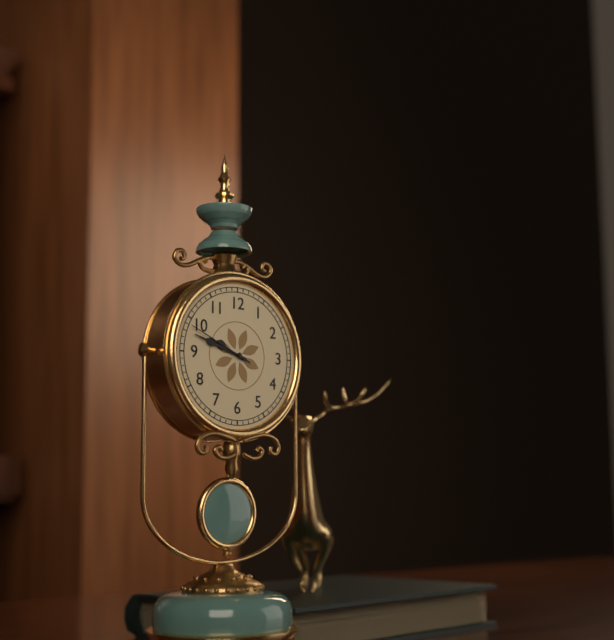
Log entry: 9:48:49
